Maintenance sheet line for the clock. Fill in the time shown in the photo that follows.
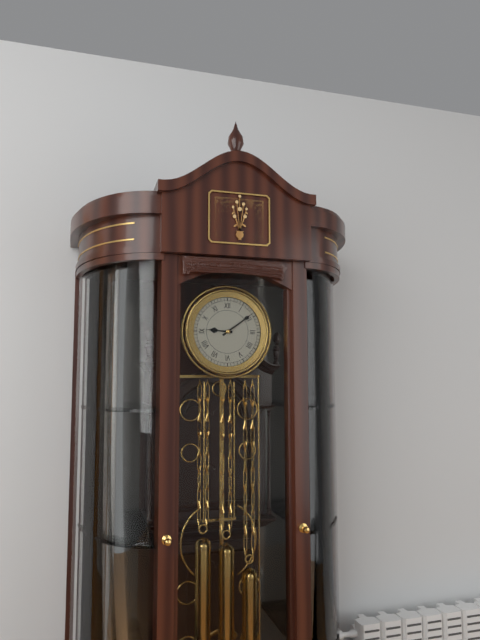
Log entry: 9:09
